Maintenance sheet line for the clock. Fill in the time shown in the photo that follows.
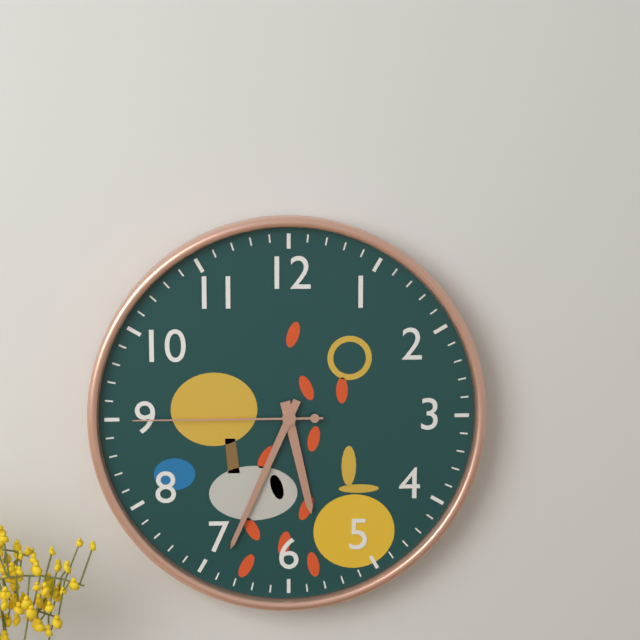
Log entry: 5:34:45
